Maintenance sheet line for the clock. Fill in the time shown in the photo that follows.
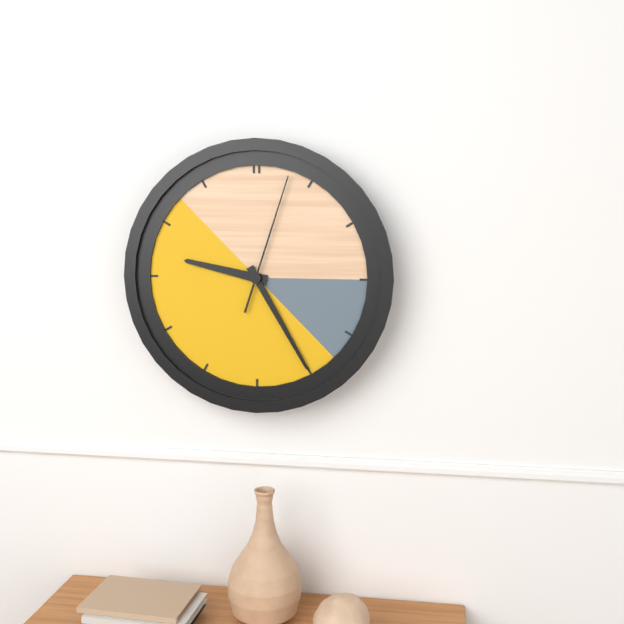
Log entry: 9:25:03
